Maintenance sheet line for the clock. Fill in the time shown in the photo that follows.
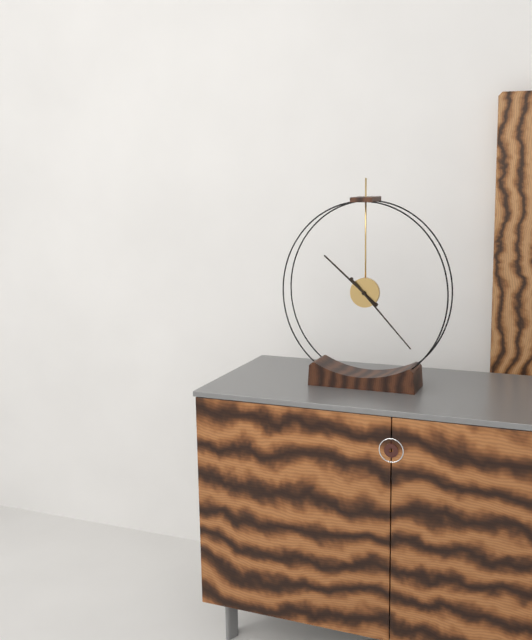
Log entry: 10:23
